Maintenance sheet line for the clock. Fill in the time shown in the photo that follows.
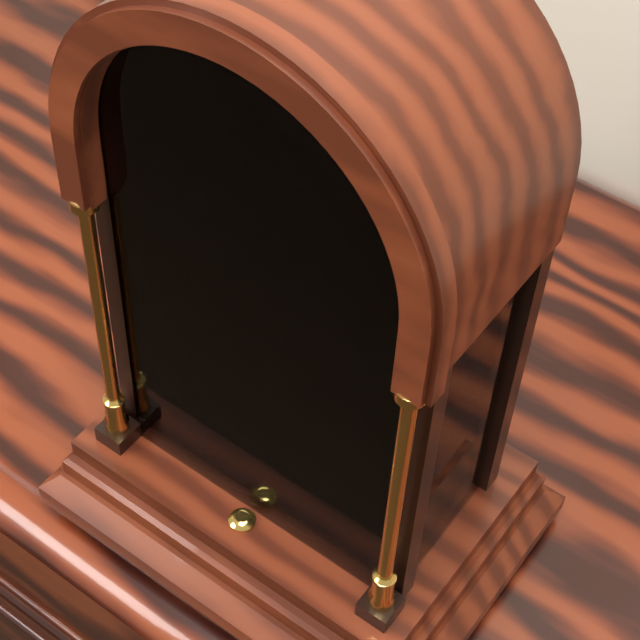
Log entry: 4:17
